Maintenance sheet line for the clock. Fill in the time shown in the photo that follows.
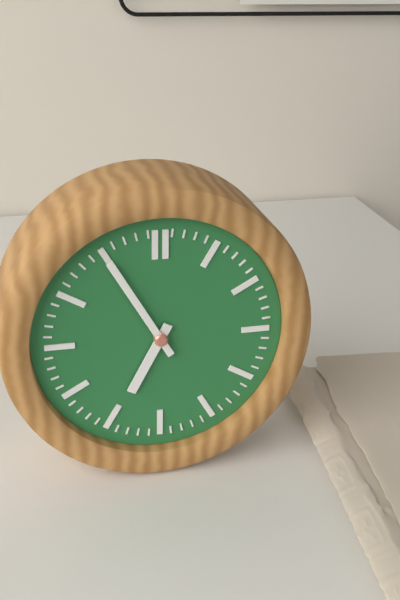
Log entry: 6:55
